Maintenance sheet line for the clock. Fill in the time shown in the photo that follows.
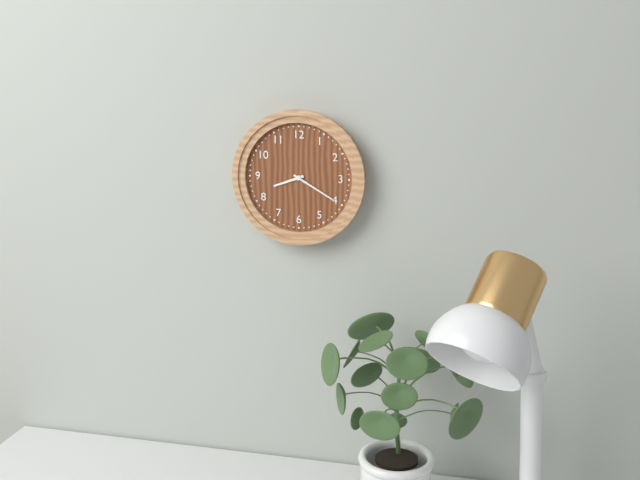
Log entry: 8:20
